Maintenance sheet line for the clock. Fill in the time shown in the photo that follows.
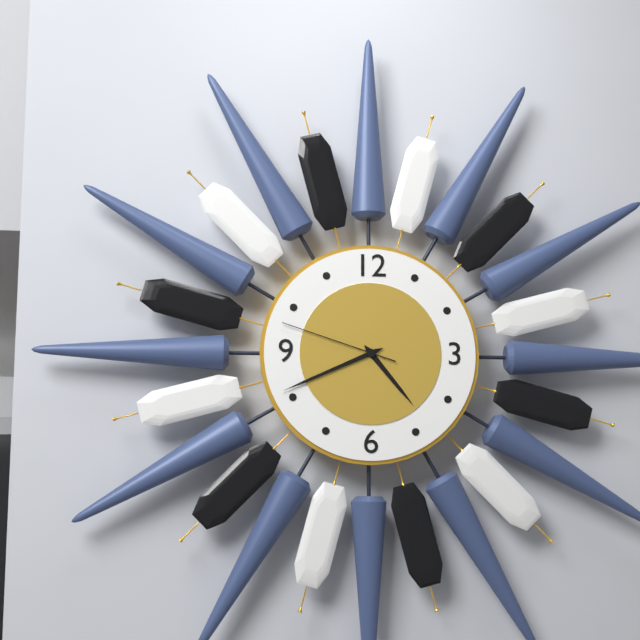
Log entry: 4:41:48
